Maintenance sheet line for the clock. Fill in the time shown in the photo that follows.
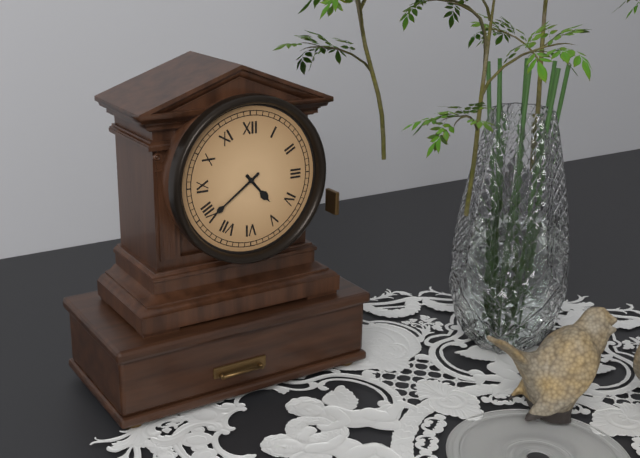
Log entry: 4:39
